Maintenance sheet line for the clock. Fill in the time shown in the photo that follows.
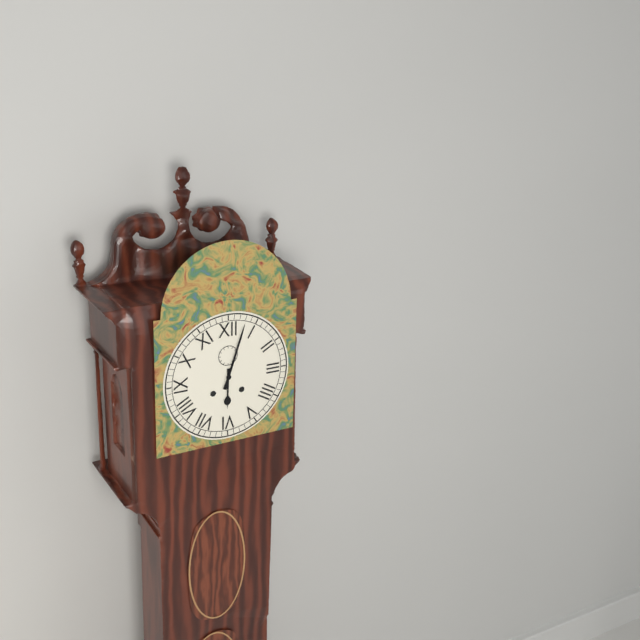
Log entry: 6:03
